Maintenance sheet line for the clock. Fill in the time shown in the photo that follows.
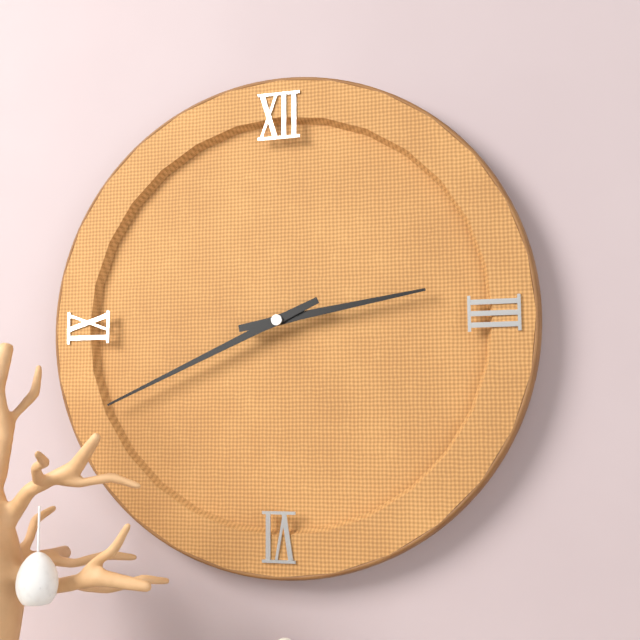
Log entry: 2:41
